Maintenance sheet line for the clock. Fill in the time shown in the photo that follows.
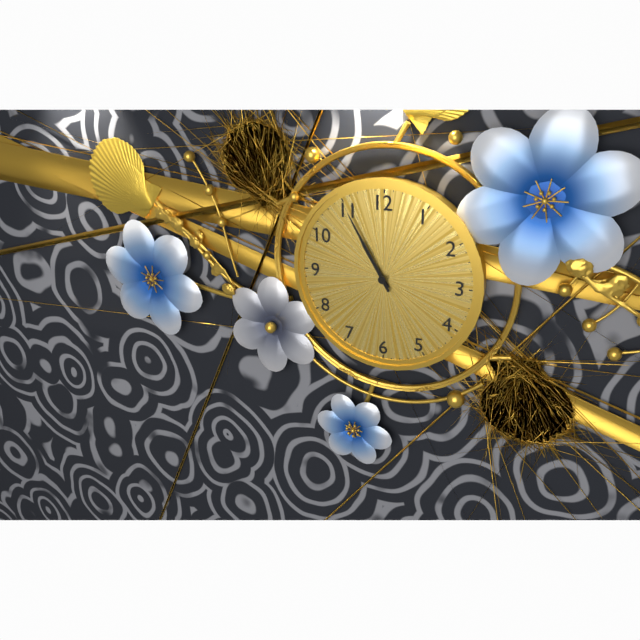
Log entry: 10:55
